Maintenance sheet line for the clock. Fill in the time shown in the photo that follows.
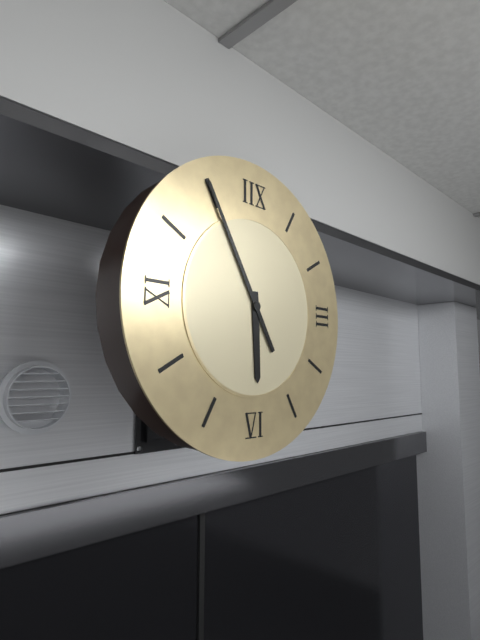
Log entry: 5:55
